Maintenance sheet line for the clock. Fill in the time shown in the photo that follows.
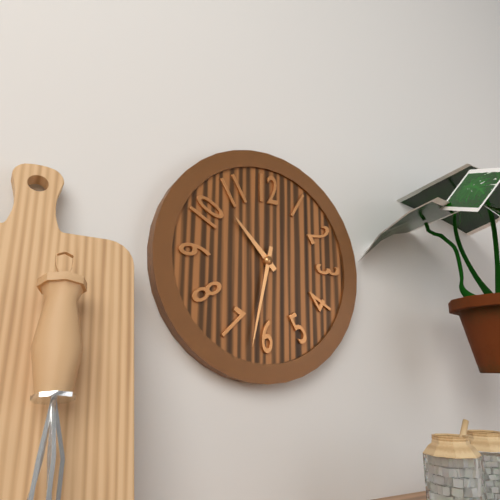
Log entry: 10:32
